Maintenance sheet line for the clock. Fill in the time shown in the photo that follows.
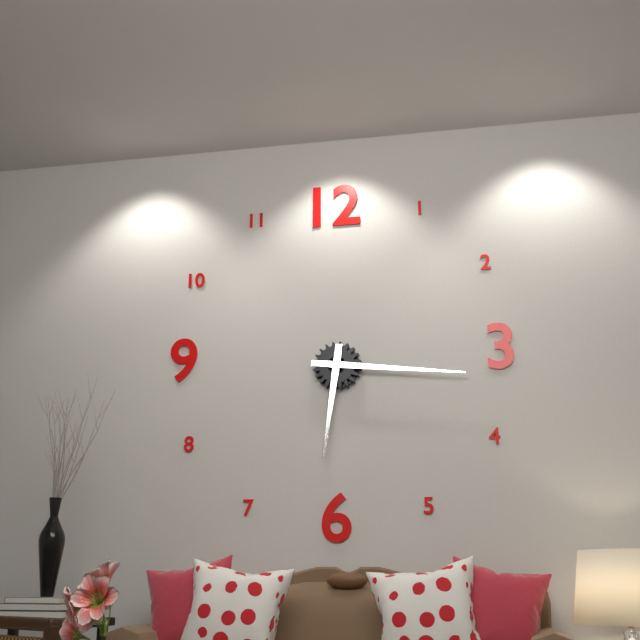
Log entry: 6:16
